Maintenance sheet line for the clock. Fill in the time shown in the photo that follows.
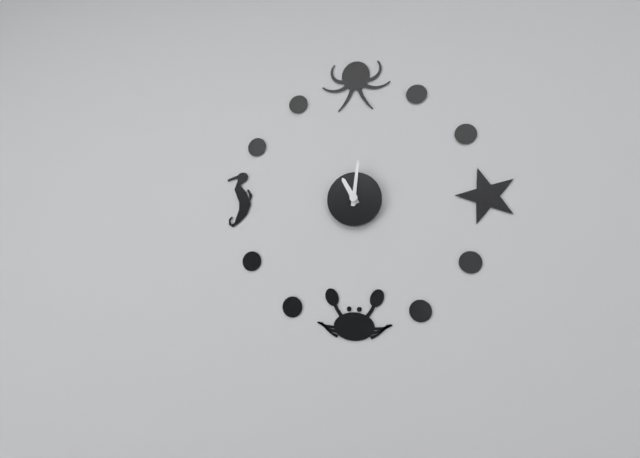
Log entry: 11:01
